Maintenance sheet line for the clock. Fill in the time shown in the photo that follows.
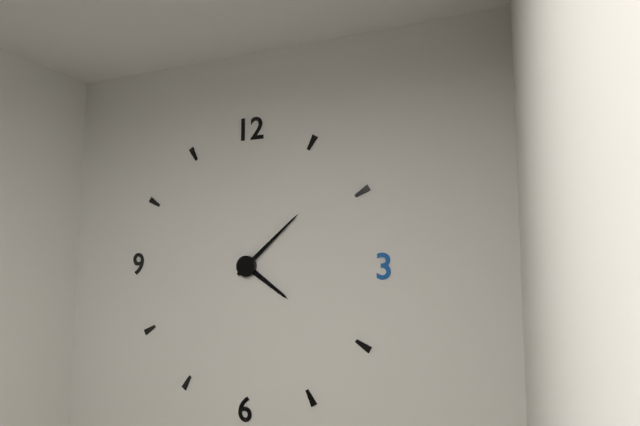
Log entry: 4:08
